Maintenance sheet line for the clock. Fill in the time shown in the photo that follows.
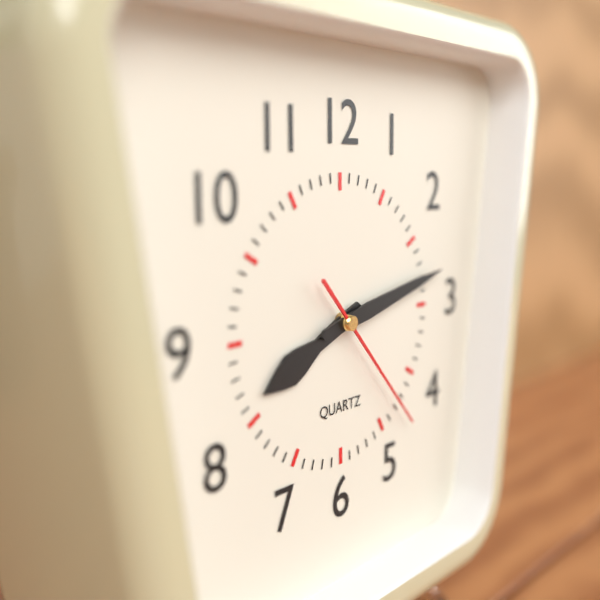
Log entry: 8:13:23
